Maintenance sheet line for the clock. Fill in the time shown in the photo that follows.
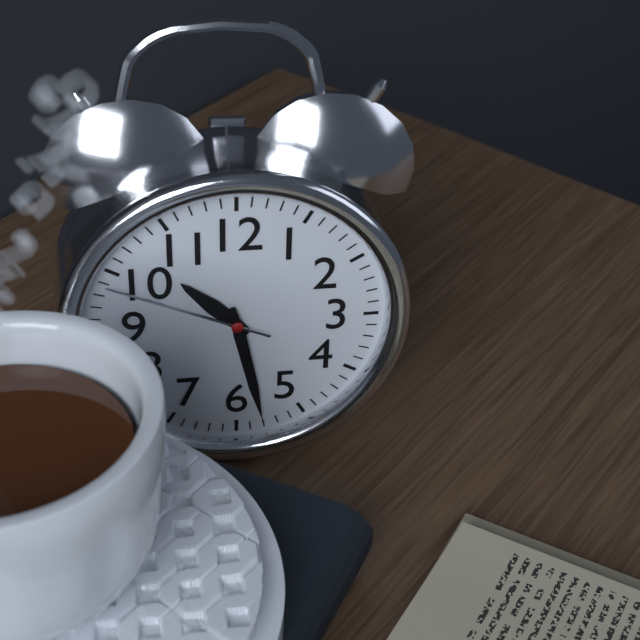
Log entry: 10:28:49
